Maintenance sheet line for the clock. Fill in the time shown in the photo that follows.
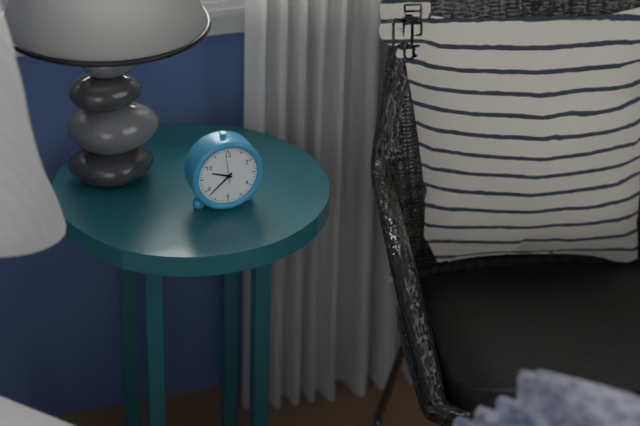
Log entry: 9:38
